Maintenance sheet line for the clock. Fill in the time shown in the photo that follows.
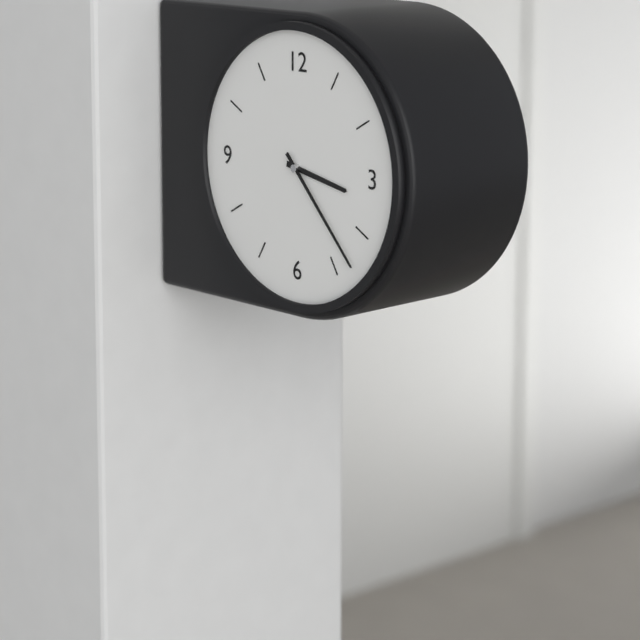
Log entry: 3:23
